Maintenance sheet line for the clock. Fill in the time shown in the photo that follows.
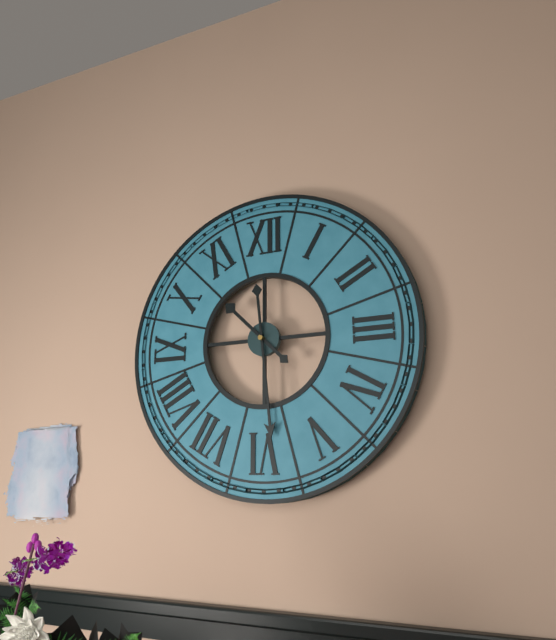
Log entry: 10:29
